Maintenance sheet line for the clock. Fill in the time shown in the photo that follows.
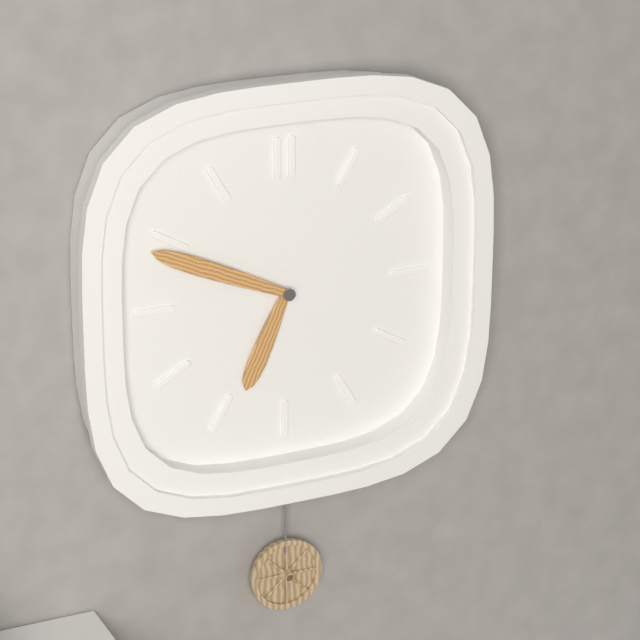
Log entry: 6:49
